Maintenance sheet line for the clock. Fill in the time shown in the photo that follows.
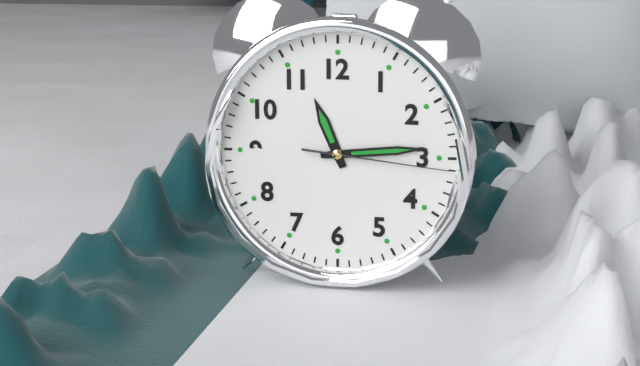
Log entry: 11:14:16
